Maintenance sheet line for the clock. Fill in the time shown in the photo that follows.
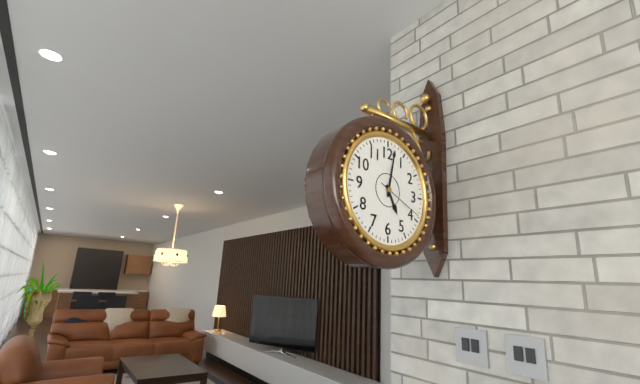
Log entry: 5:02:19
